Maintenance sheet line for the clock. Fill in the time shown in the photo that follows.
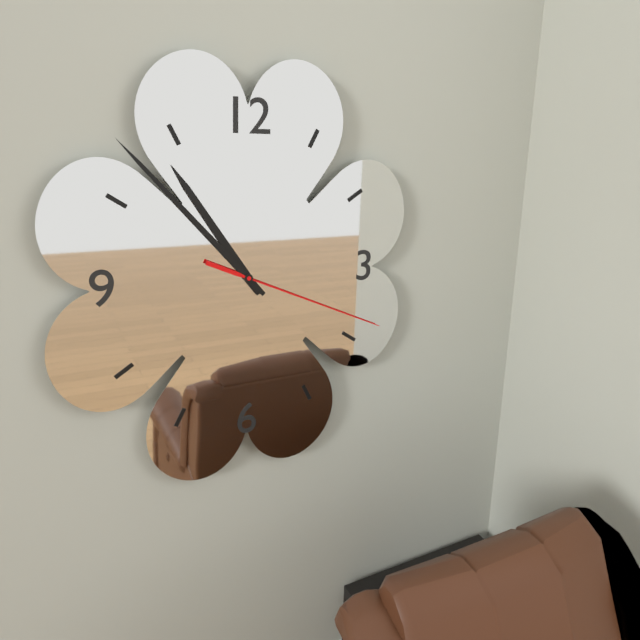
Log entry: 10:53:19
